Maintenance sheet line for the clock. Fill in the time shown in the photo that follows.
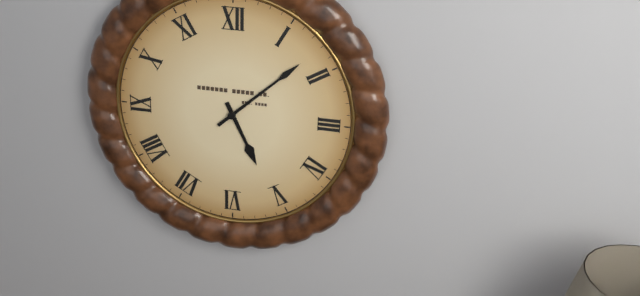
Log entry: 5:08
